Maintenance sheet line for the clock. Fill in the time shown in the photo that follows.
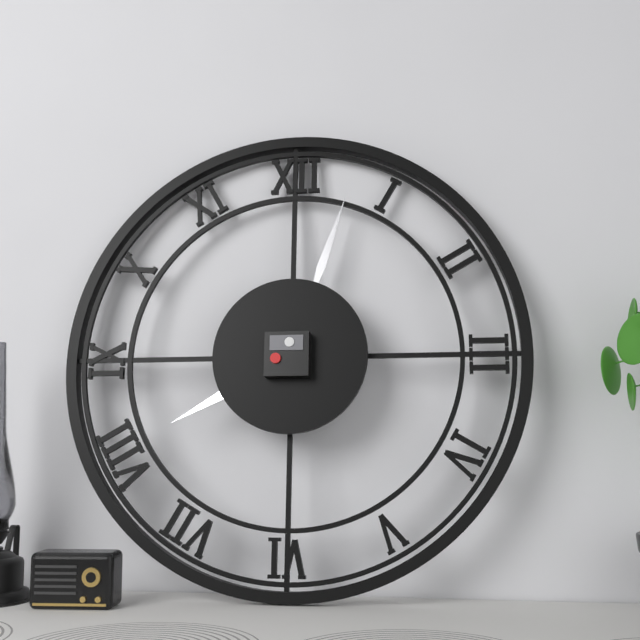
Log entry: 8:03
